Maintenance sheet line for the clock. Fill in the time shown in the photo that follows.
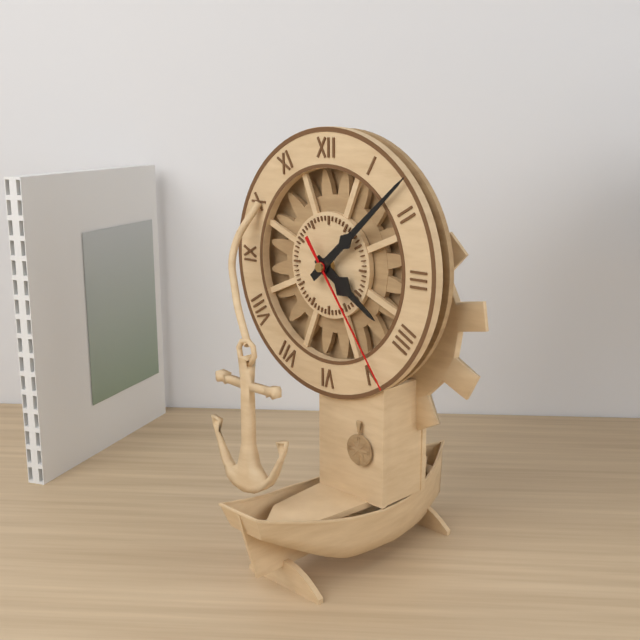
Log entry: 4:08:24
